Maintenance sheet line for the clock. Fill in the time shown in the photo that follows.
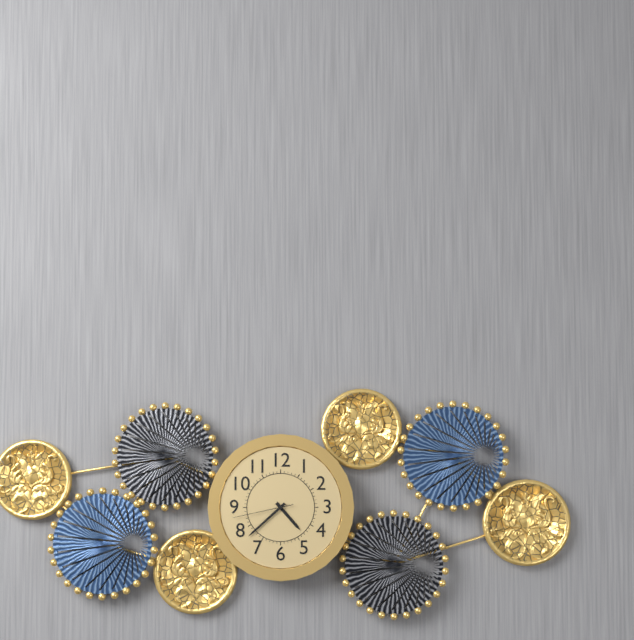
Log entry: 4:38:43
